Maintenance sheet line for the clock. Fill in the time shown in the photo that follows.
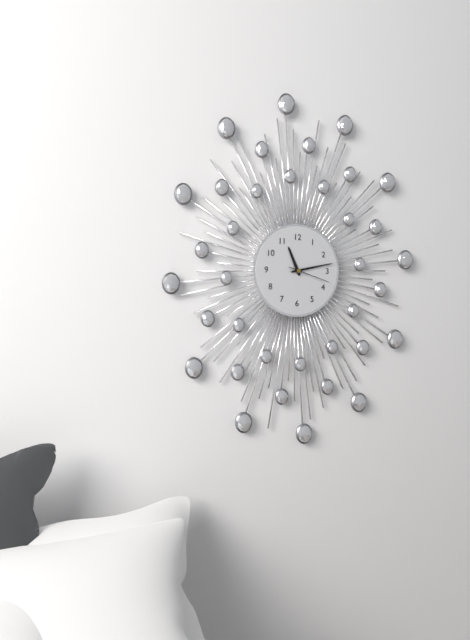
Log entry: 11:13
